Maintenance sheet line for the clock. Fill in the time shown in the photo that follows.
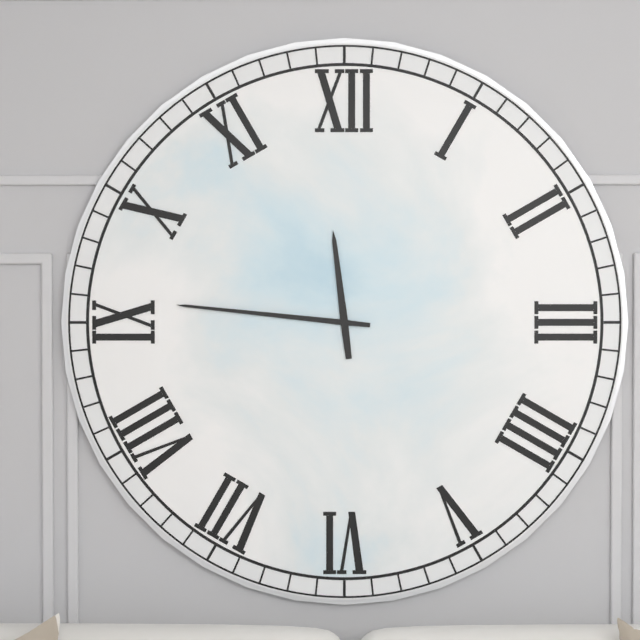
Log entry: 11:46
